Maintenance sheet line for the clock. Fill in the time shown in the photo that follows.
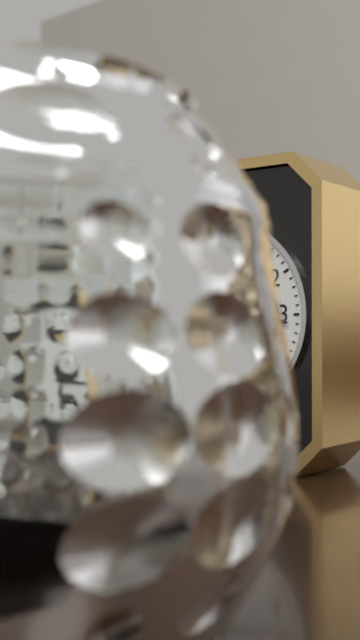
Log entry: 6:16
